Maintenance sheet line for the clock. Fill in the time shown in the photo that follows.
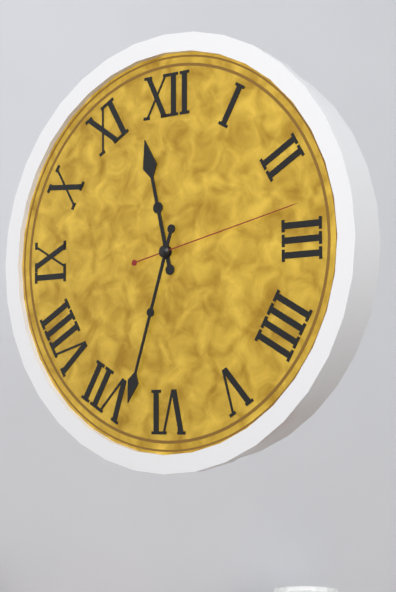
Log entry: 11:33:13
